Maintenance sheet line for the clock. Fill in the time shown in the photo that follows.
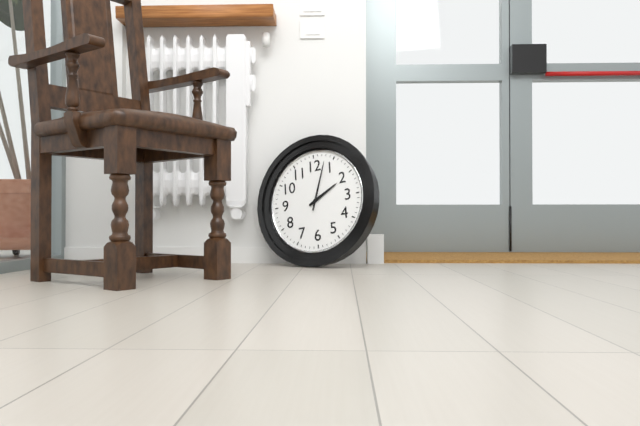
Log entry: 2:03
